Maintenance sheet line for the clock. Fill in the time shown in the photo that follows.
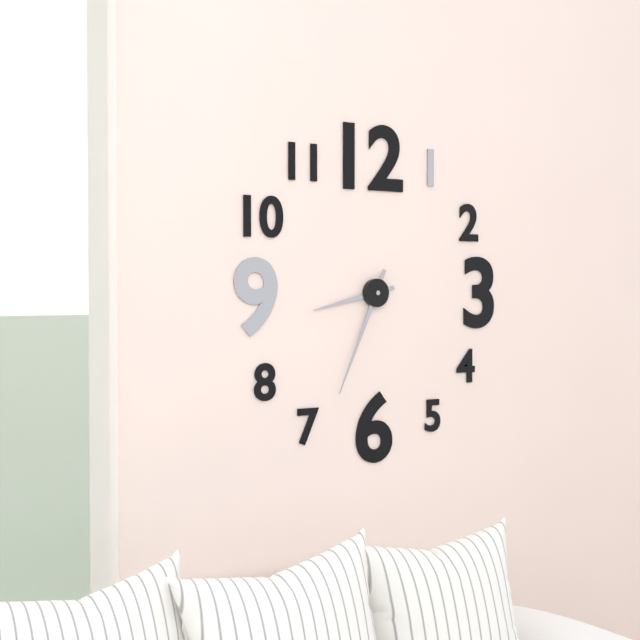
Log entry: 8:34
